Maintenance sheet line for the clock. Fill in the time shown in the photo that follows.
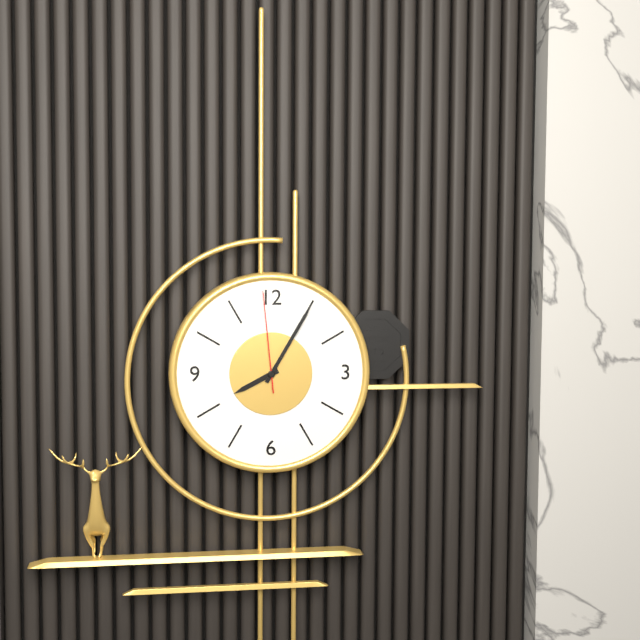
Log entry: 8:05:59
